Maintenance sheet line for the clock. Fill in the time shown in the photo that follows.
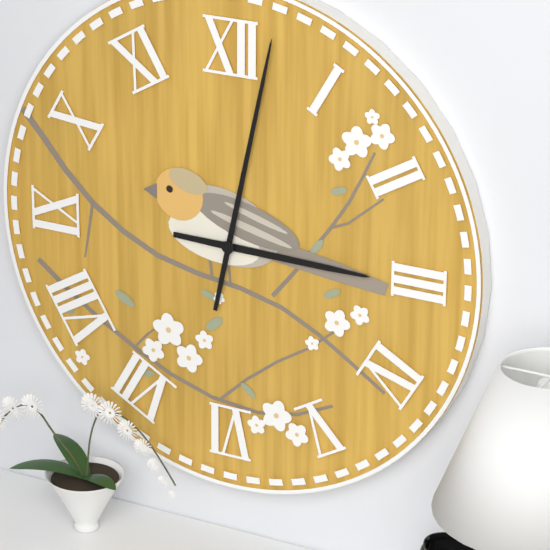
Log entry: 3:02
